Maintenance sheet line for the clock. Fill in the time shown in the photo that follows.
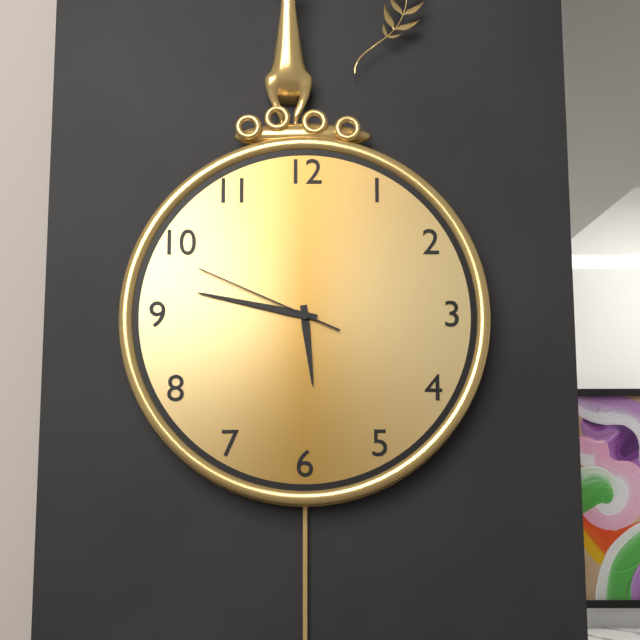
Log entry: 5:47:49
